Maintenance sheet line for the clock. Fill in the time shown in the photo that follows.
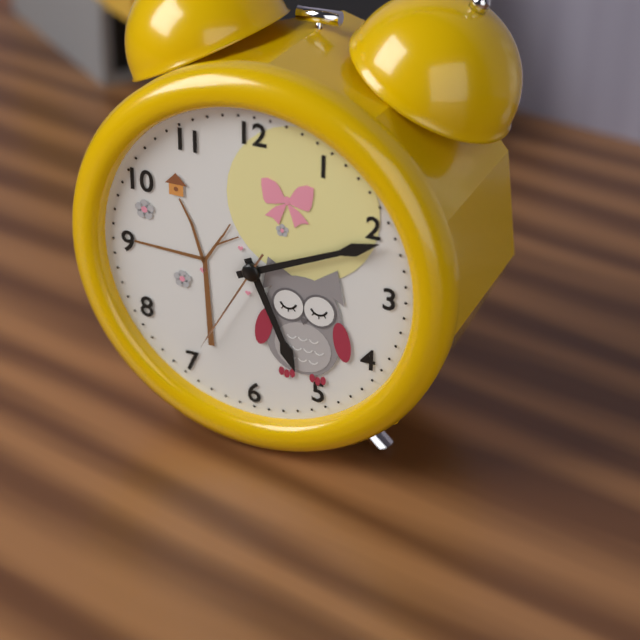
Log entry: 5:11:35
